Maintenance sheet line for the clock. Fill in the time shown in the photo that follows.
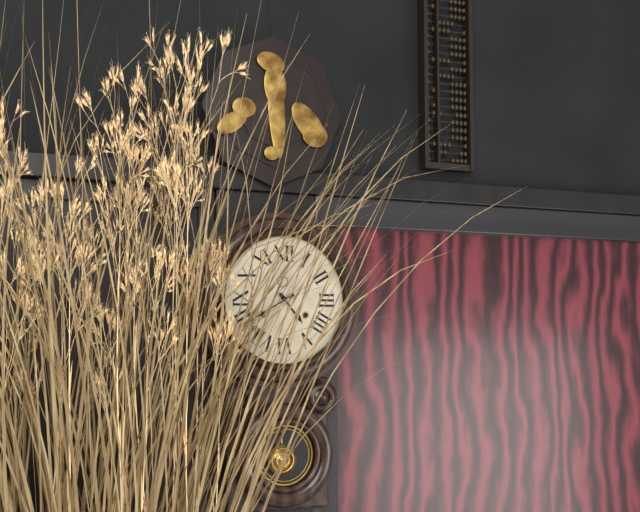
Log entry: 4:40
